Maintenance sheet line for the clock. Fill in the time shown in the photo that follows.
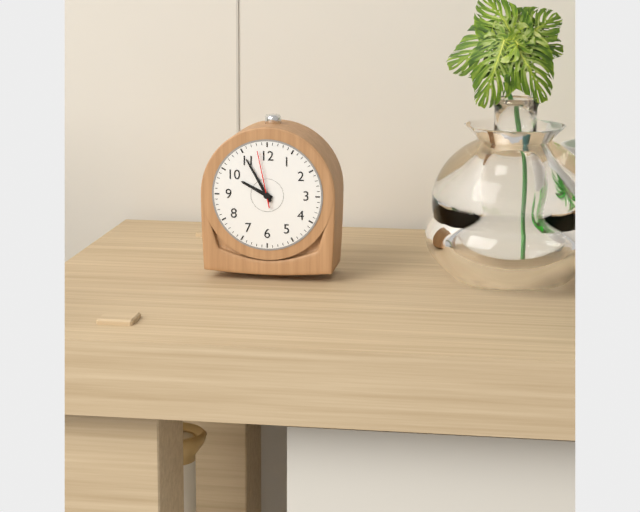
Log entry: 9:55:58
